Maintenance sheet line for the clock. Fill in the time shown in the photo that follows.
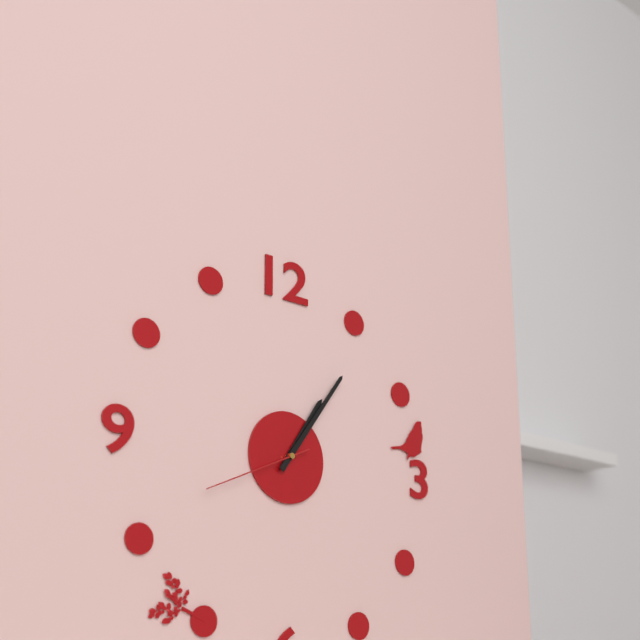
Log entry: 1:06:41
